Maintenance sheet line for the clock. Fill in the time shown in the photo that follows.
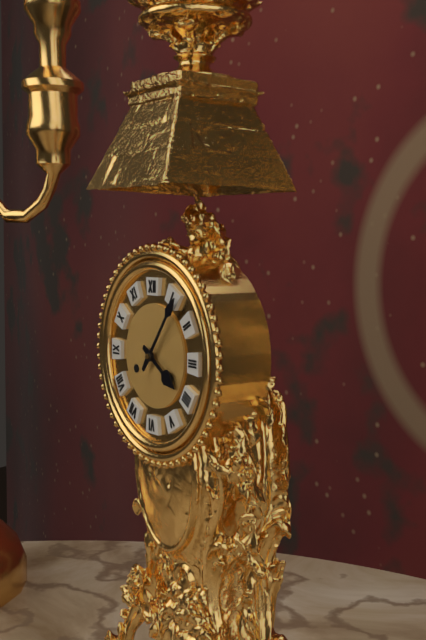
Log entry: 4:06
